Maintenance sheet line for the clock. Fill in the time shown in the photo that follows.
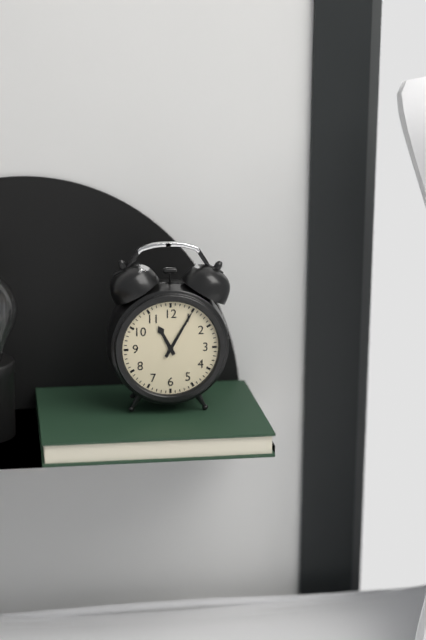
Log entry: 11:05
